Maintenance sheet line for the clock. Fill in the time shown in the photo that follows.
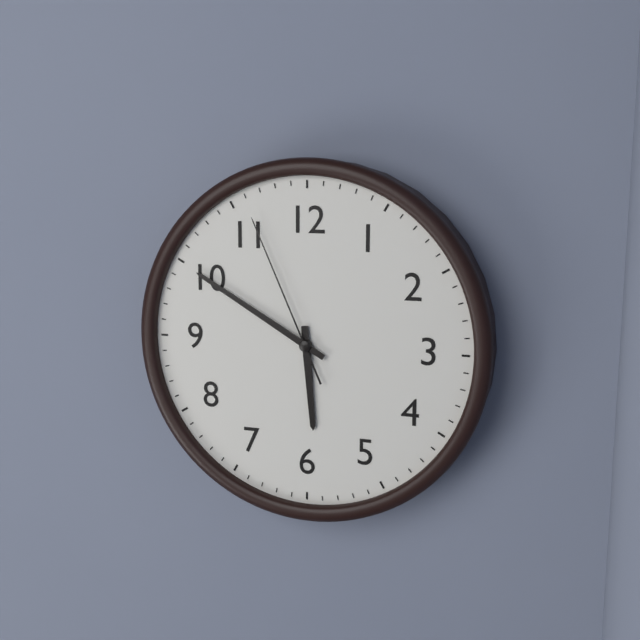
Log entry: 5:50:56
